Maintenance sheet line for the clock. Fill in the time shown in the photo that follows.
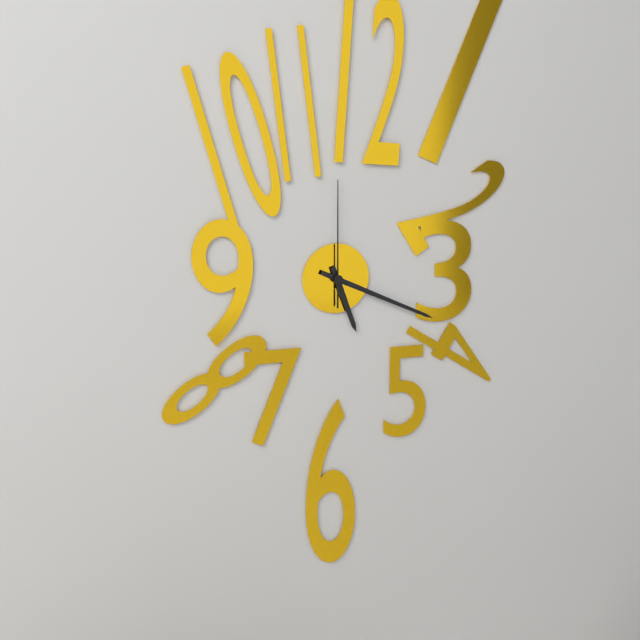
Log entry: 5:19:00
